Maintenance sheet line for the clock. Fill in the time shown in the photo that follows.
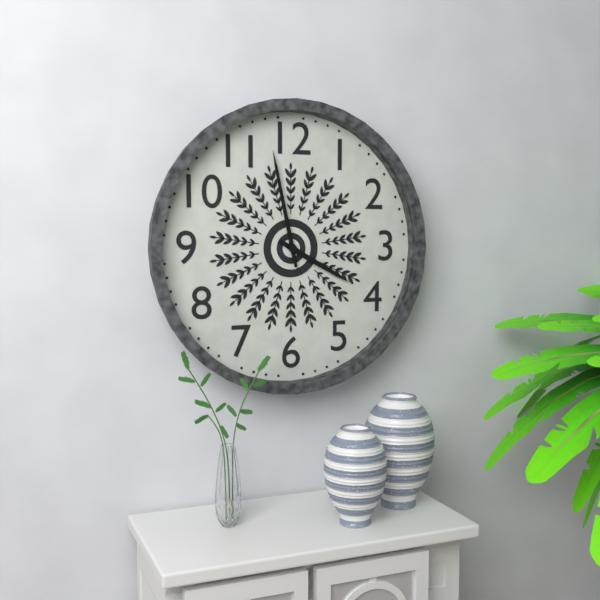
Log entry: 3:58
